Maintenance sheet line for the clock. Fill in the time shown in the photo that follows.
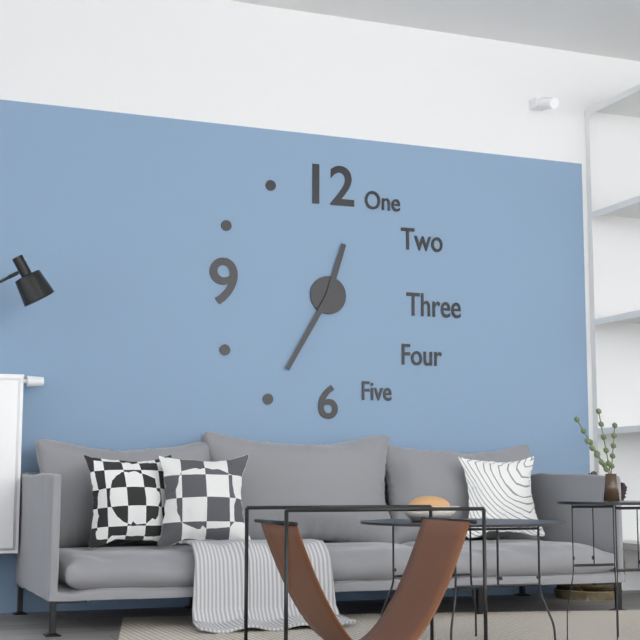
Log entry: 12:35
